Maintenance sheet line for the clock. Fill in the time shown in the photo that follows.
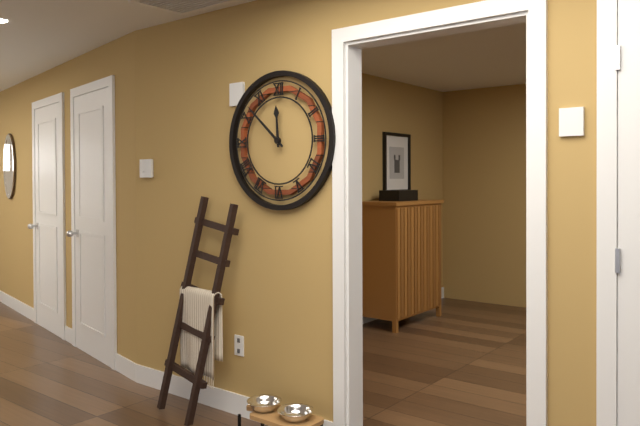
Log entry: 11:52
